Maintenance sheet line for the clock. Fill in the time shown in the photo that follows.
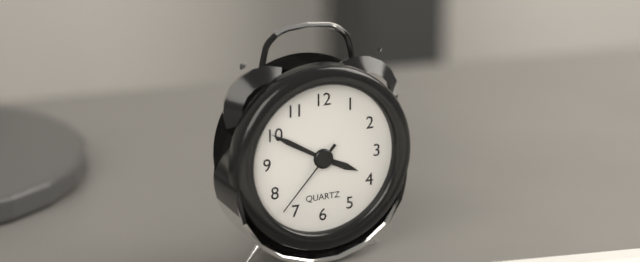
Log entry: 3:50:37
